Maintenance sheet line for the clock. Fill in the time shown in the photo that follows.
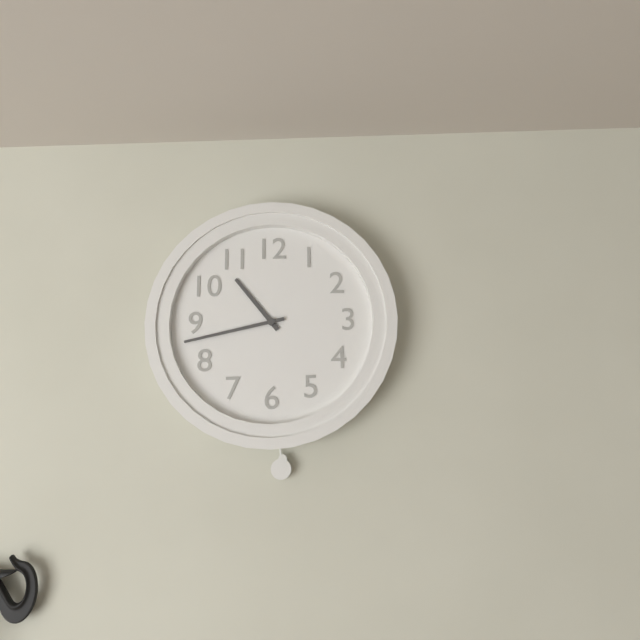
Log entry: 10:43
